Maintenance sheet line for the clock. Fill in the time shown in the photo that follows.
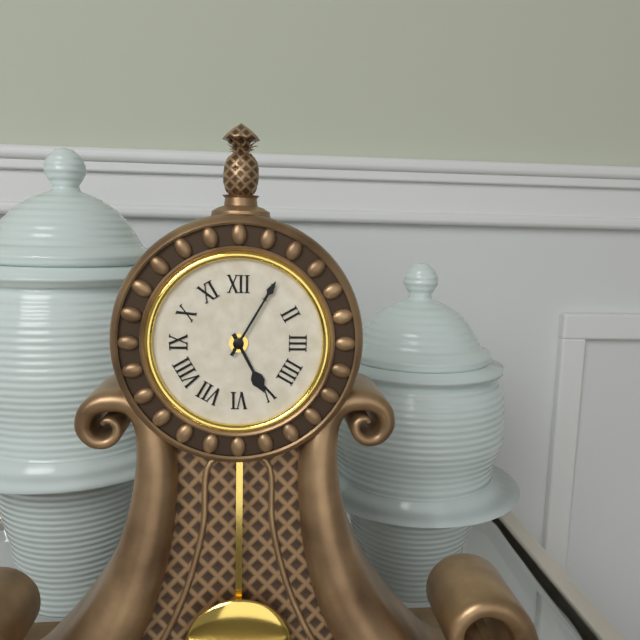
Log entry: 5:05
